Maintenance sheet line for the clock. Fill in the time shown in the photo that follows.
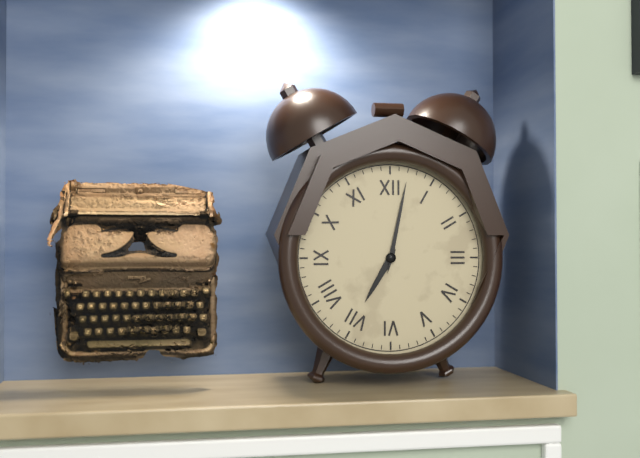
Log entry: 7:02
